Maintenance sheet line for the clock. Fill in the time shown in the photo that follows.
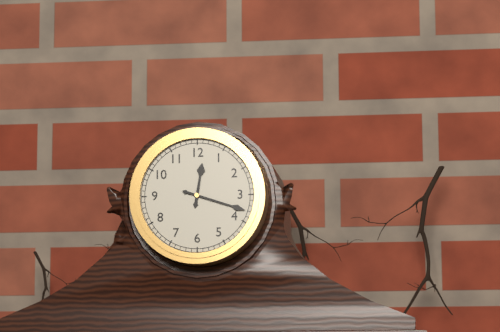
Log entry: 12:18
